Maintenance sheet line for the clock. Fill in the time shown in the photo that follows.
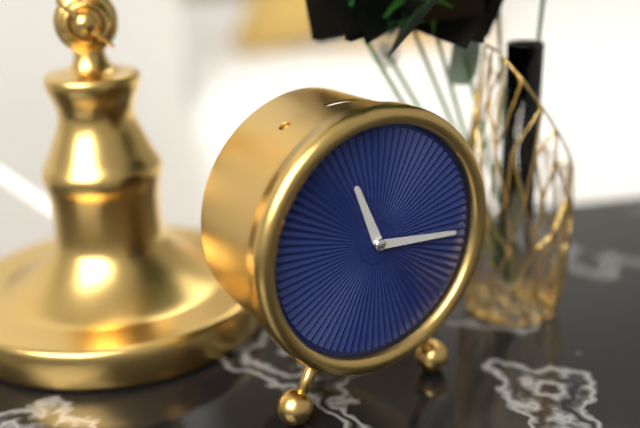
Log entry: 11:16
